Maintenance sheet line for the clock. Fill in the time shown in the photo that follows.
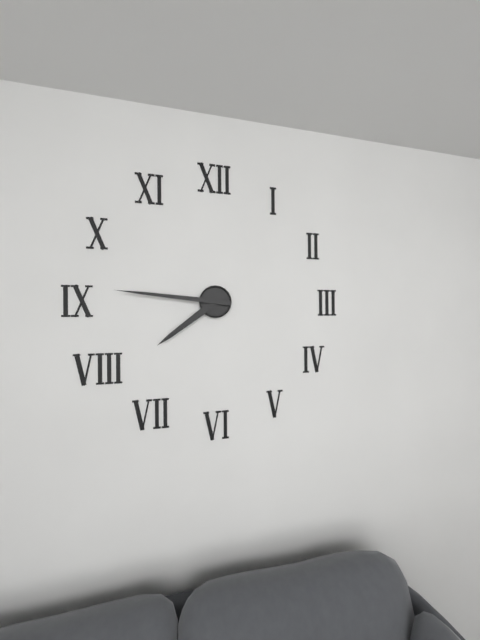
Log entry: 7:46
